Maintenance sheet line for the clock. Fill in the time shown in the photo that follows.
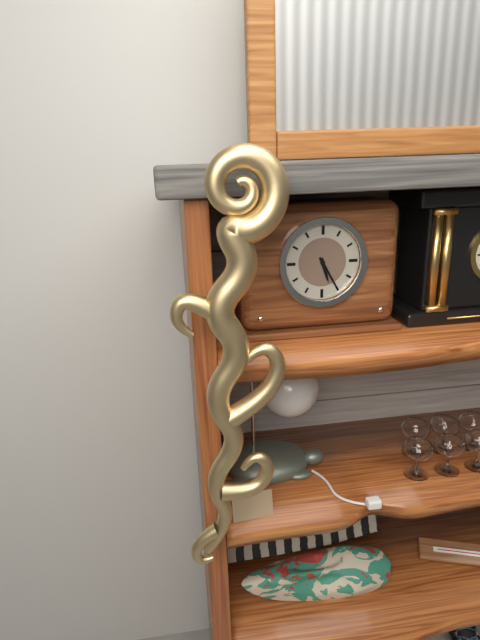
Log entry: 5:25
